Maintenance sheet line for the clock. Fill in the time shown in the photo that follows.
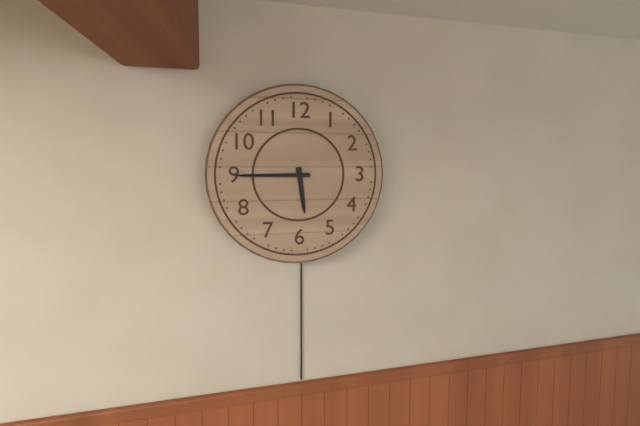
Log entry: 5:45
